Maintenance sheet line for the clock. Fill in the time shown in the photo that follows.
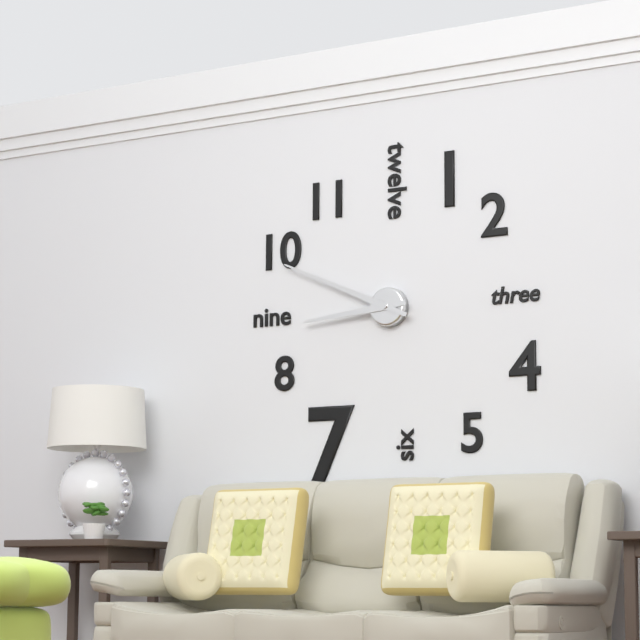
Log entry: 8:49
